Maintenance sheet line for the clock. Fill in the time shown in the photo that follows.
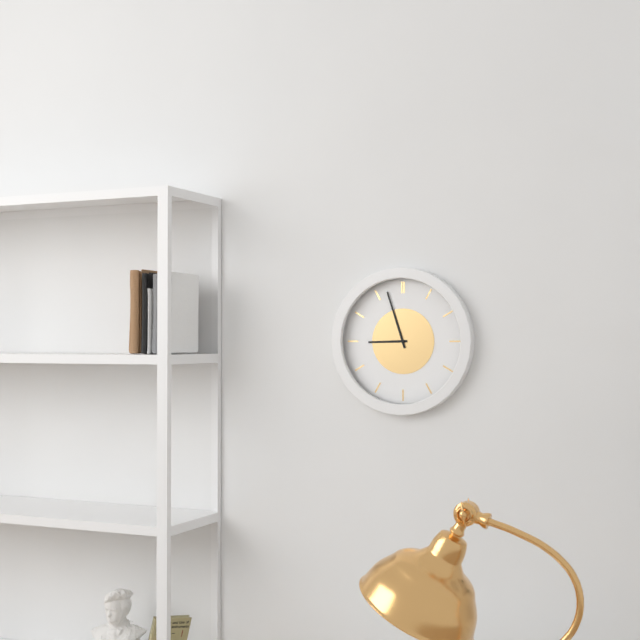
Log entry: 8:57
